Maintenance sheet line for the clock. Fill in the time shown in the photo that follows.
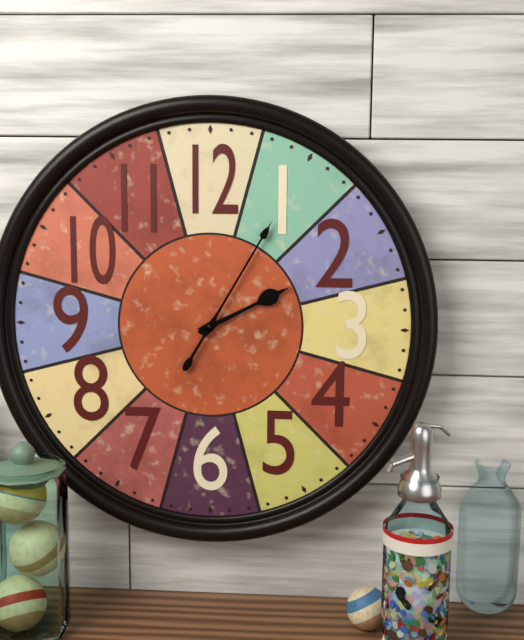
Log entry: 2:05
